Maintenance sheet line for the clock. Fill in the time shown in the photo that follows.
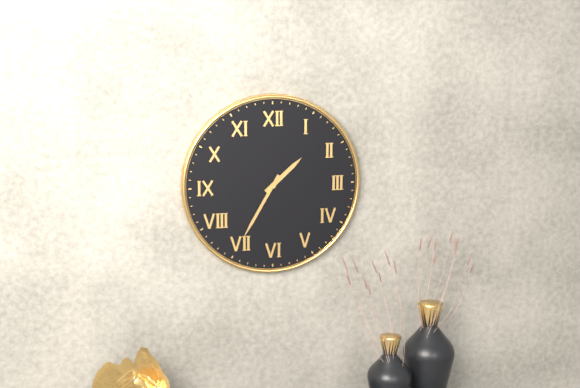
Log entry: 1:35
